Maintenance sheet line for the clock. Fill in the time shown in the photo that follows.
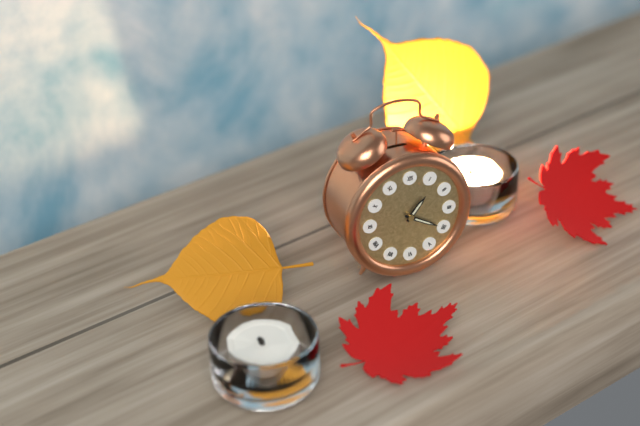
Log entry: 1:20
